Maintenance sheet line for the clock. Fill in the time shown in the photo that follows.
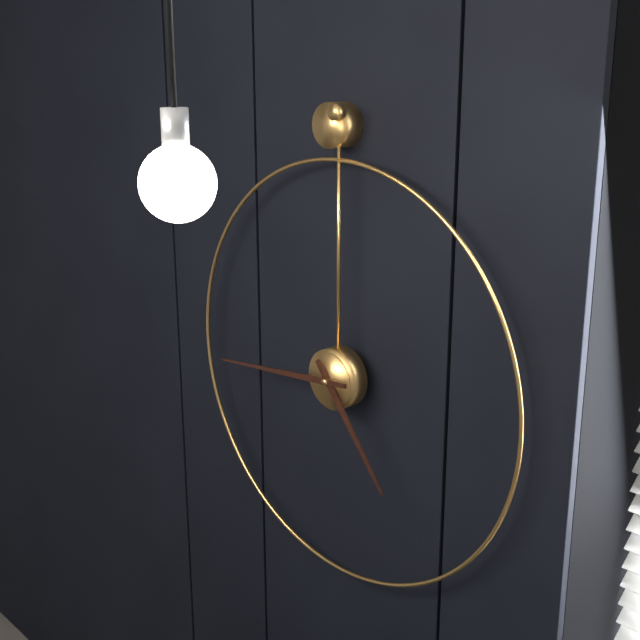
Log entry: 4:44
